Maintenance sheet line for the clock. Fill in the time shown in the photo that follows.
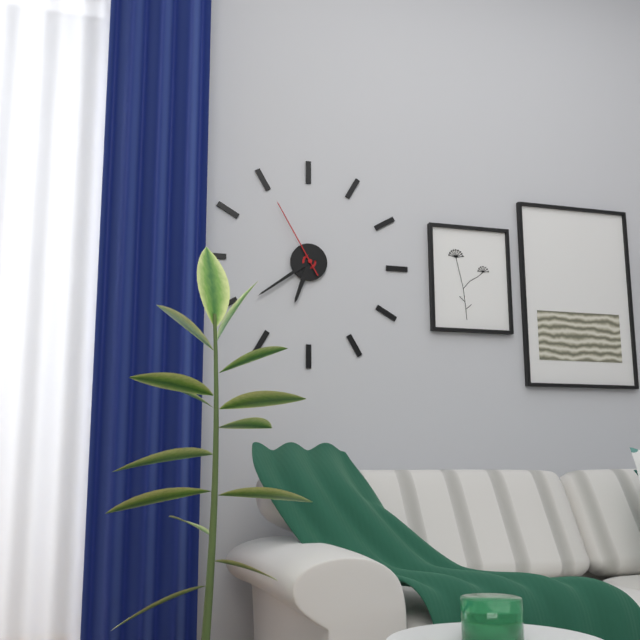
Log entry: 6:39:55
